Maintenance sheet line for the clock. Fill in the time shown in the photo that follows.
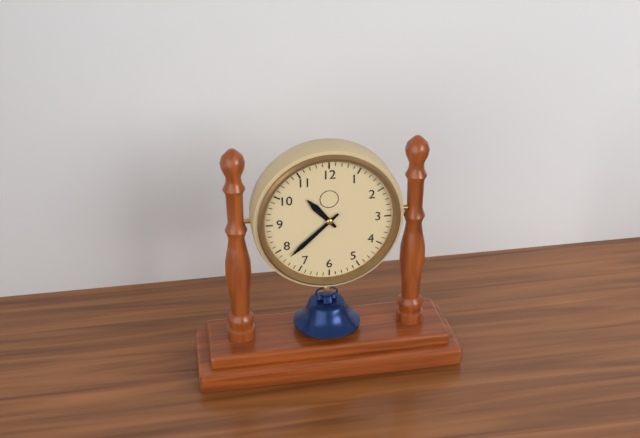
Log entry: 10:38
